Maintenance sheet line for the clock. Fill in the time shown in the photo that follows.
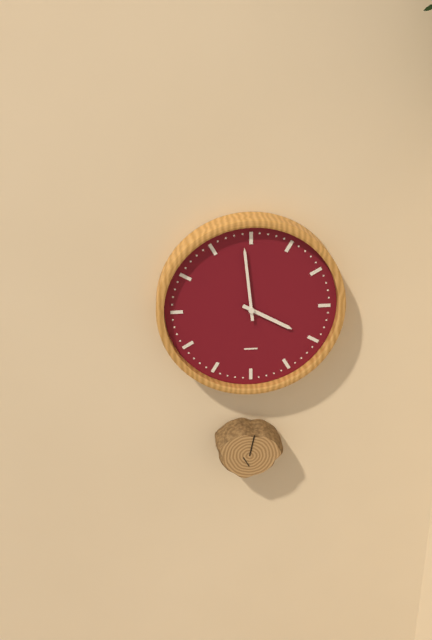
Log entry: 3:59
